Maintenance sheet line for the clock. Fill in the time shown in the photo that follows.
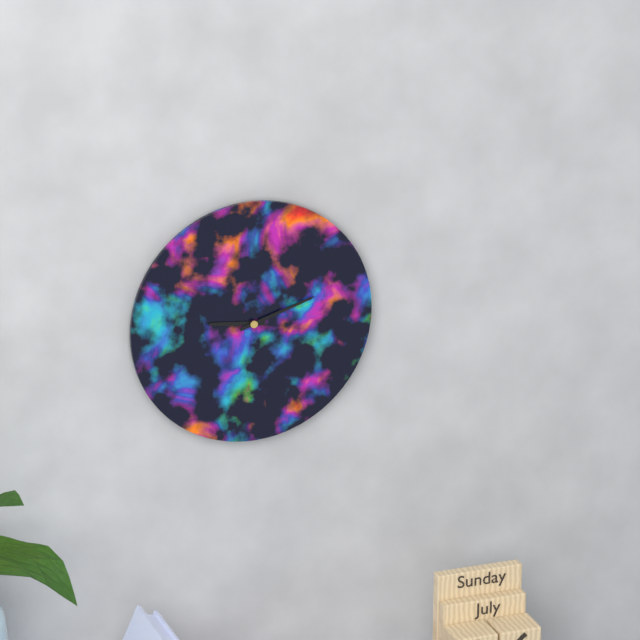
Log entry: 9:12
